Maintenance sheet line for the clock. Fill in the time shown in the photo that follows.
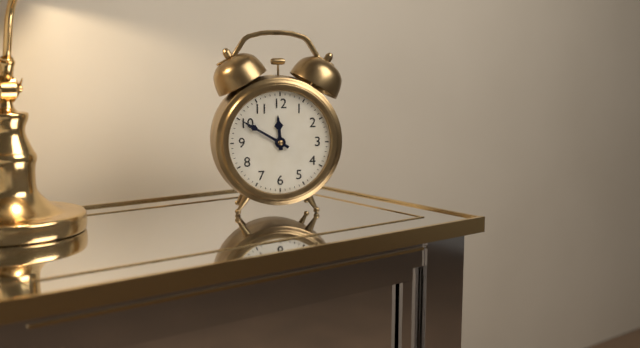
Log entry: 11:50
